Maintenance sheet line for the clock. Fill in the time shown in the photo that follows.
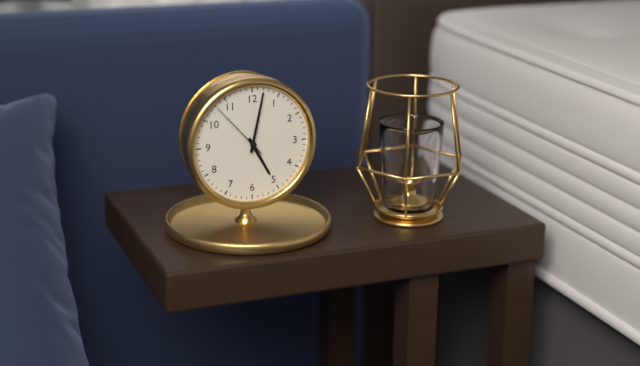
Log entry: 5:02:53
